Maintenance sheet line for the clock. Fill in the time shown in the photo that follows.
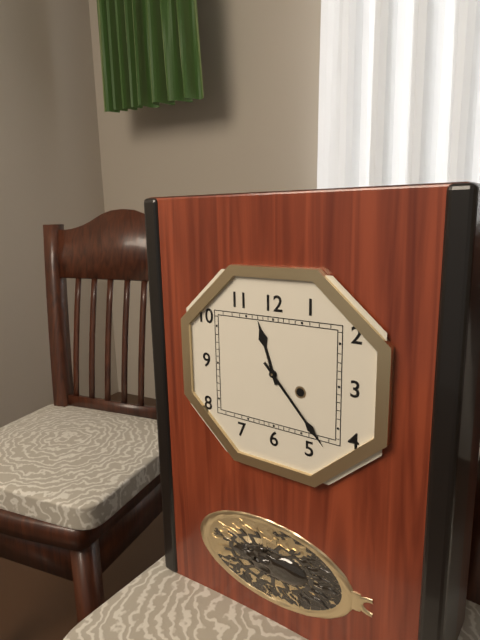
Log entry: 11:23
